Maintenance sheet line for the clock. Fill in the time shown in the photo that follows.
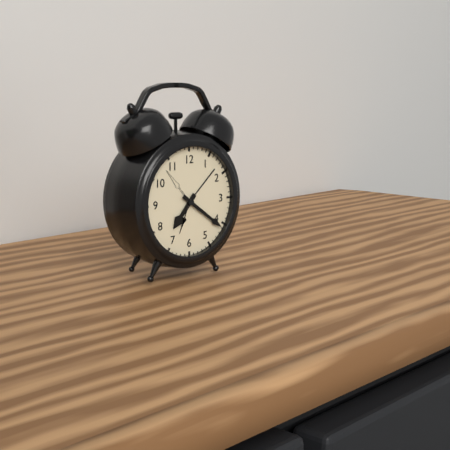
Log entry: 7:21
